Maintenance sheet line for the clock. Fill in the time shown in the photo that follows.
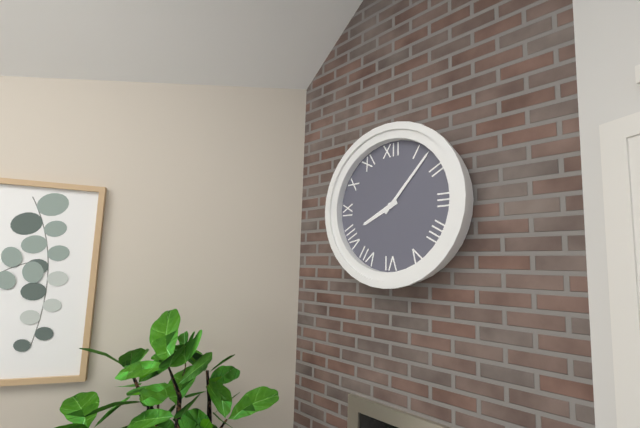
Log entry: 8:07
